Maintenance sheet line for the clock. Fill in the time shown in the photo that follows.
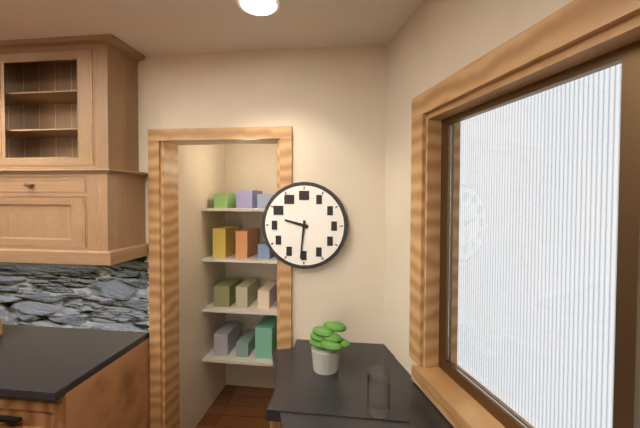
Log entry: 9:31
